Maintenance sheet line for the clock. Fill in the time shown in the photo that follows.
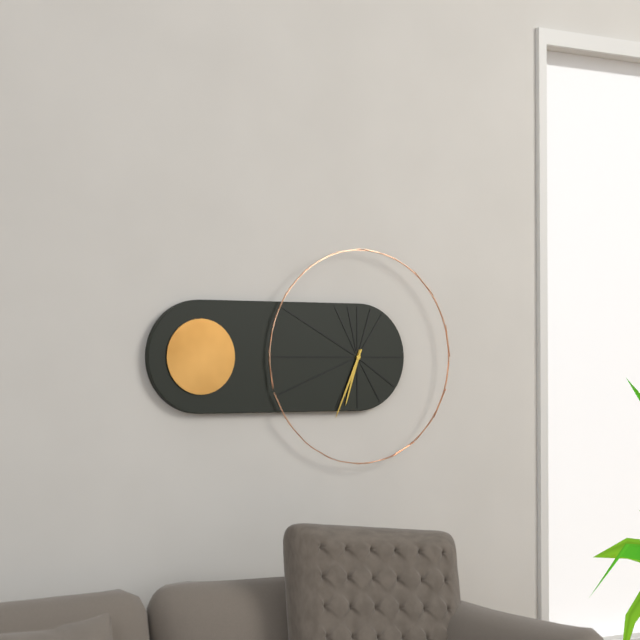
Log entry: 6:34
